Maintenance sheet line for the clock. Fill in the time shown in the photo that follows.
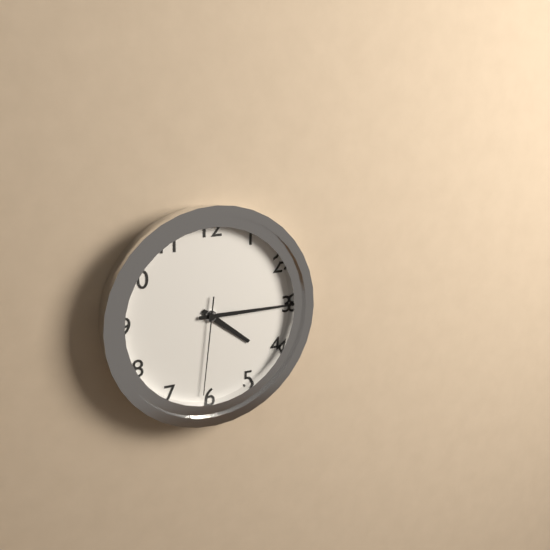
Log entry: 4:15:31
